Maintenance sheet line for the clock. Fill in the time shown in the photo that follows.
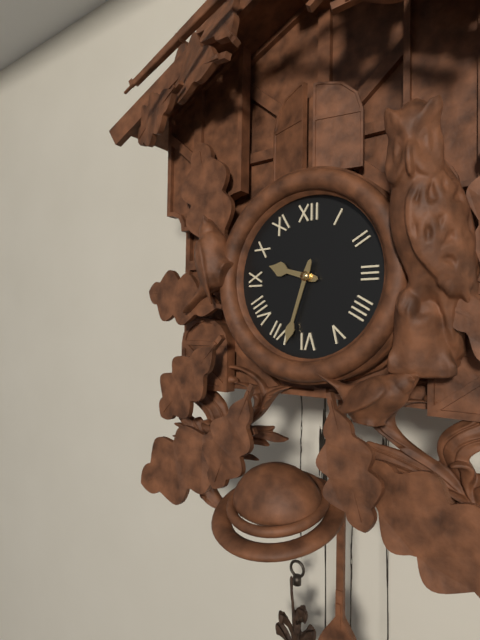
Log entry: 9:33
